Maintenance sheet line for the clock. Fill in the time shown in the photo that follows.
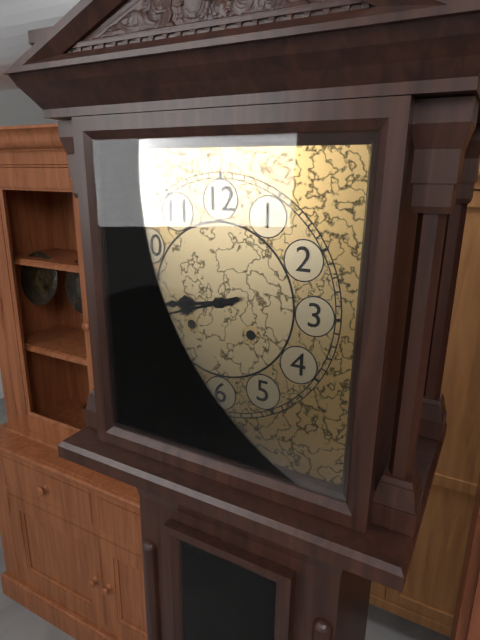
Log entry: 8:42
